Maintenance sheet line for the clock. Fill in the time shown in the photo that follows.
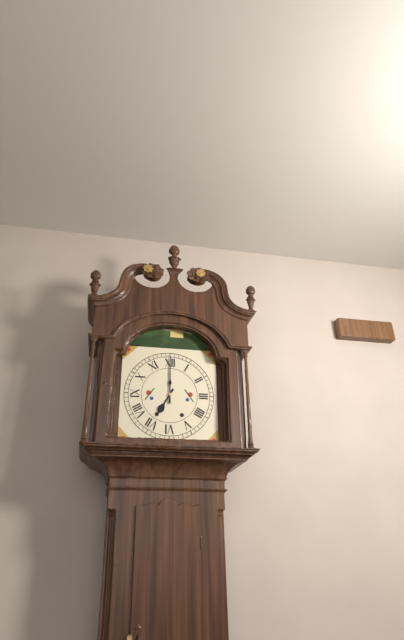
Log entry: 7:00
